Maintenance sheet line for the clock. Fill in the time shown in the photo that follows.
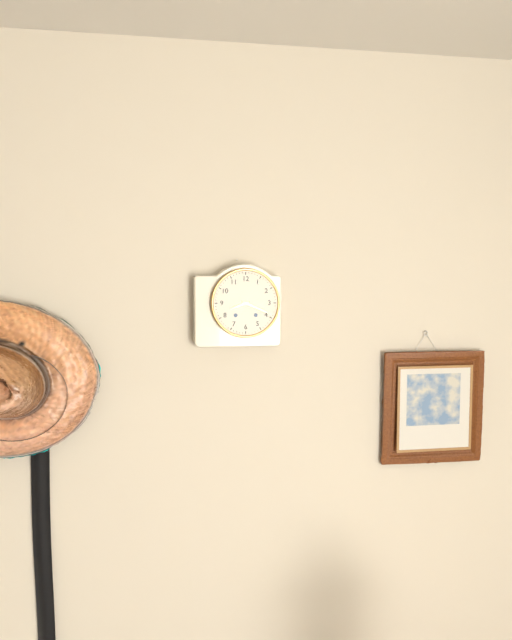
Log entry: 8:19
